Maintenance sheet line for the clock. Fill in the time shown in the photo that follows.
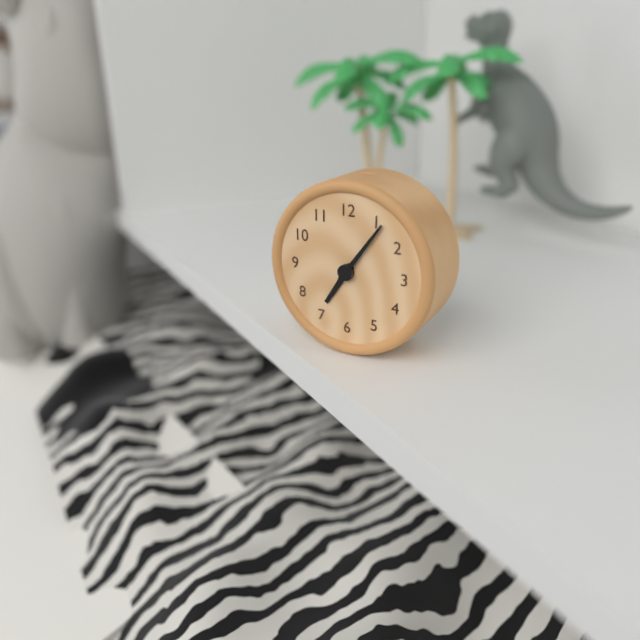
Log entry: 7:06
